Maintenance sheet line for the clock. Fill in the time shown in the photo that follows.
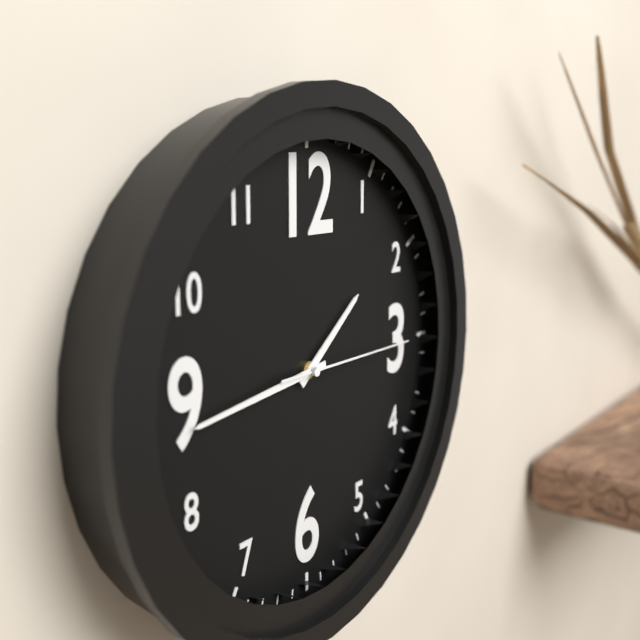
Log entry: 1:44:15
